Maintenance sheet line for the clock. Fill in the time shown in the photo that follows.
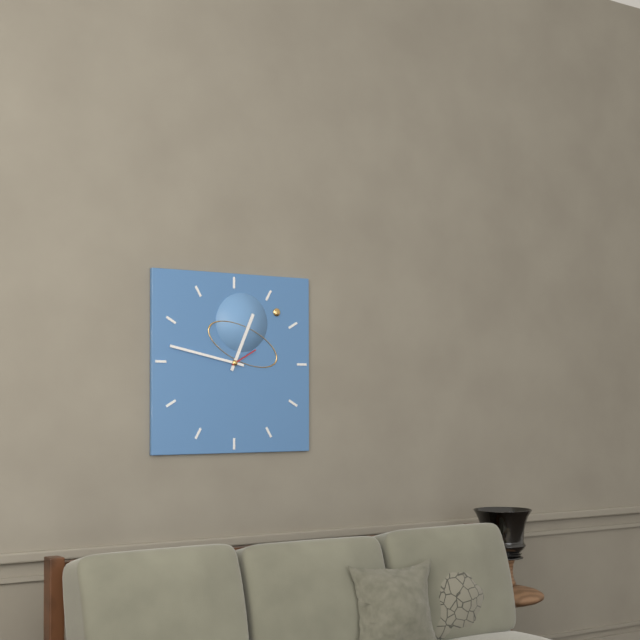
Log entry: 12:47
